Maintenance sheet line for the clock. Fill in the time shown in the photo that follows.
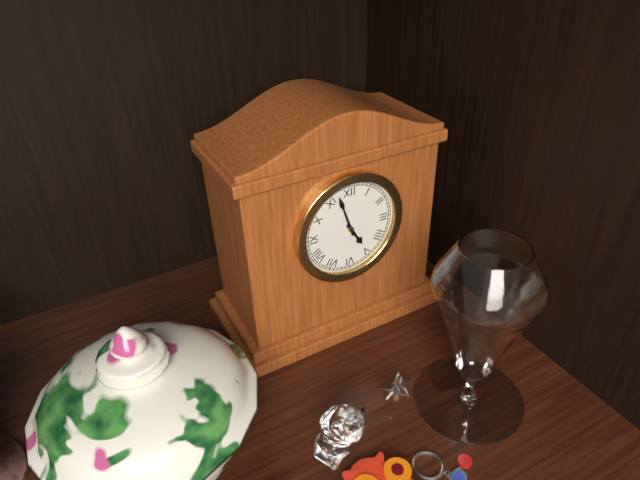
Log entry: 4:57
